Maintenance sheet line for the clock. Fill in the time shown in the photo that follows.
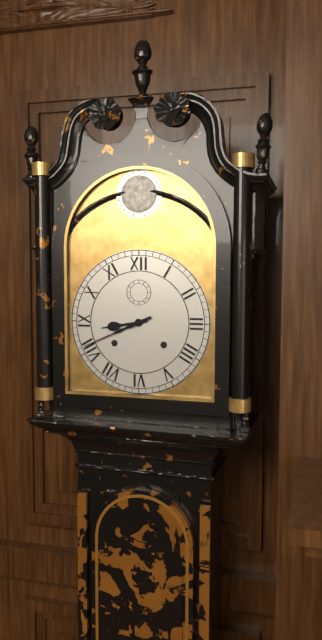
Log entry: 8:41
